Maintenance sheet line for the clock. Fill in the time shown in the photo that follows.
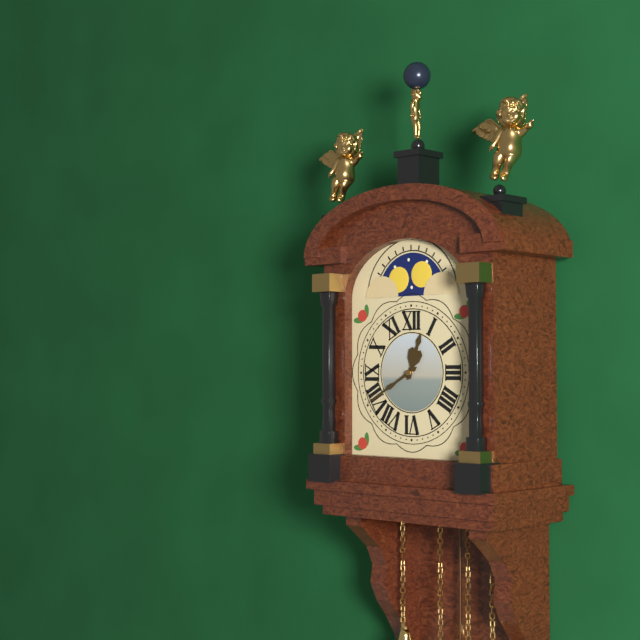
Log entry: 12:40
